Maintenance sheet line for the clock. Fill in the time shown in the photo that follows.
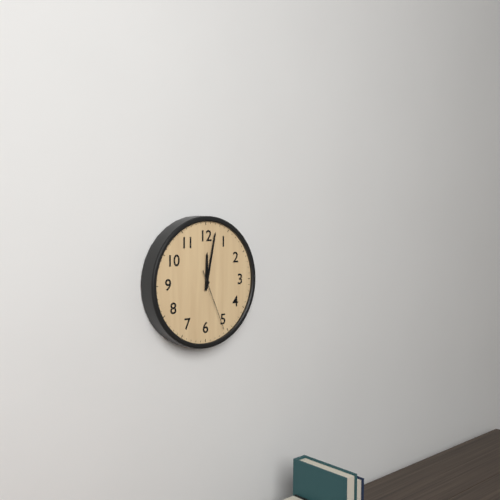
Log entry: 12:02:26
